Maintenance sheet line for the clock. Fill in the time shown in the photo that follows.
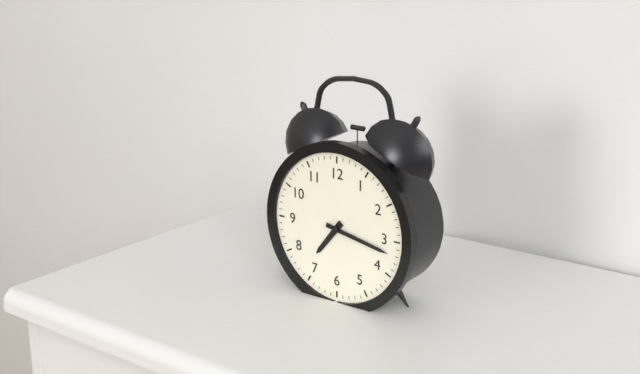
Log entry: 7:17
